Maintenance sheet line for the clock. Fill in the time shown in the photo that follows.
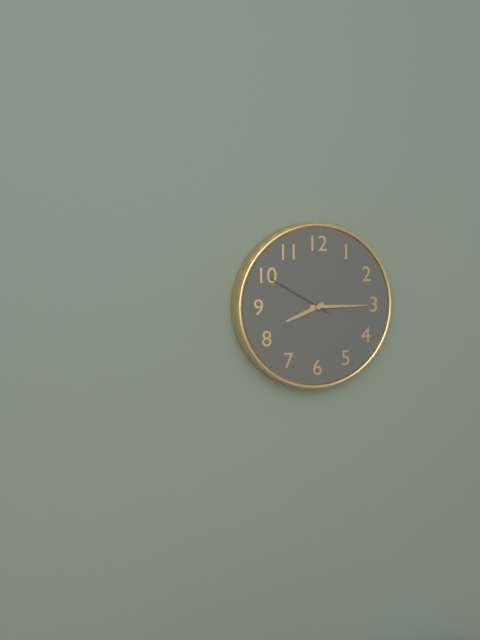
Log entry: 8:15:50
